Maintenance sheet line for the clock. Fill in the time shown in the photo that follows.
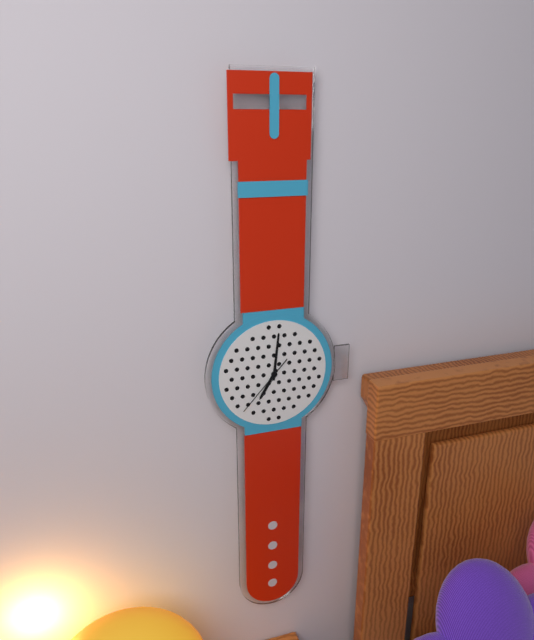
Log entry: 7:01:37
